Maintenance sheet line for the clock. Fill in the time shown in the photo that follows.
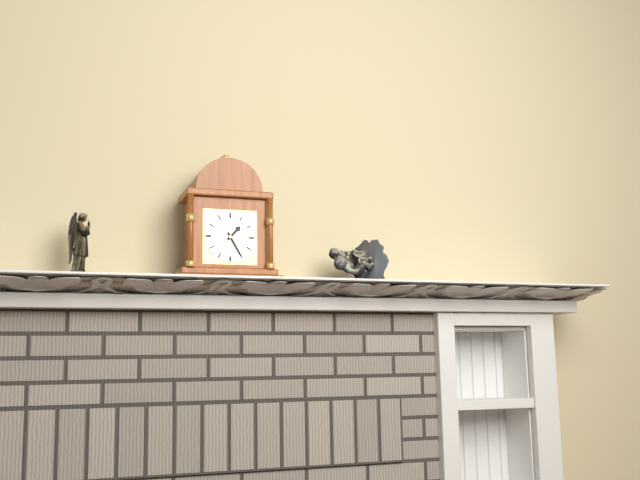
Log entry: 1:25
